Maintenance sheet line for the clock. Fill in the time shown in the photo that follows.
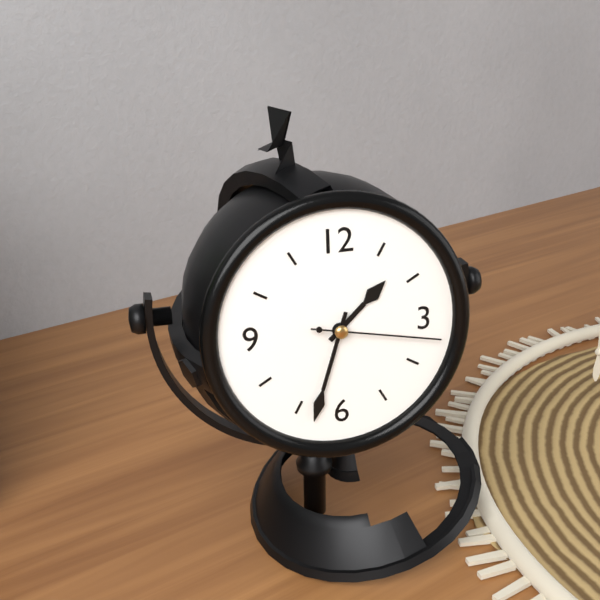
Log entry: 1:33:17
